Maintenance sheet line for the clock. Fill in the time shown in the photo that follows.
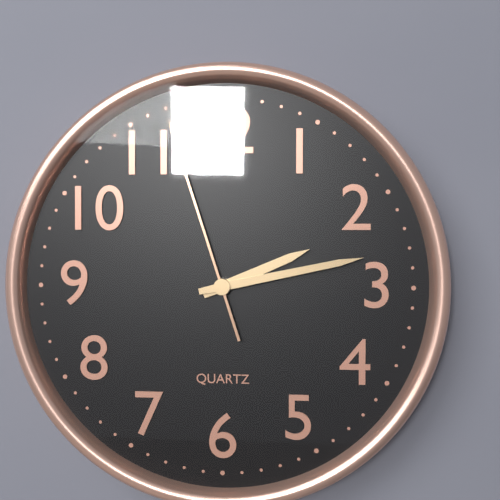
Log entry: 2:13:57
